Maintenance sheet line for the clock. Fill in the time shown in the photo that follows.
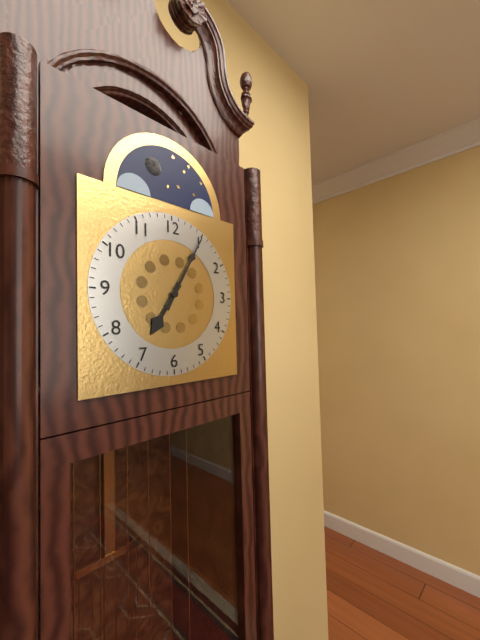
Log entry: 7:05
